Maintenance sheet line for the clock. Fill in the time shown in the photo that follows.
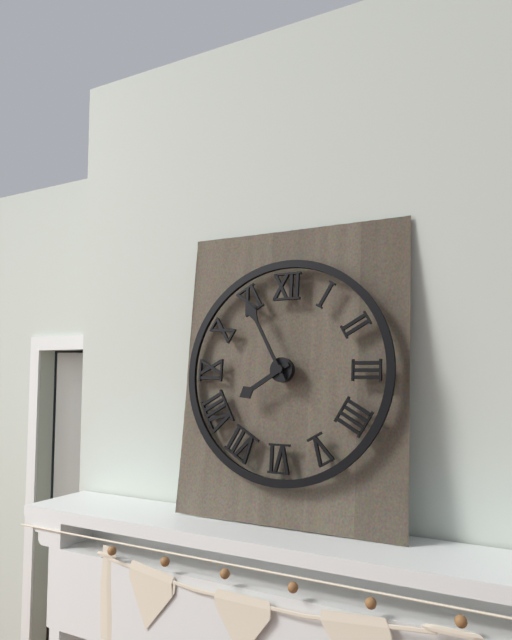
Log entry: 7:55
